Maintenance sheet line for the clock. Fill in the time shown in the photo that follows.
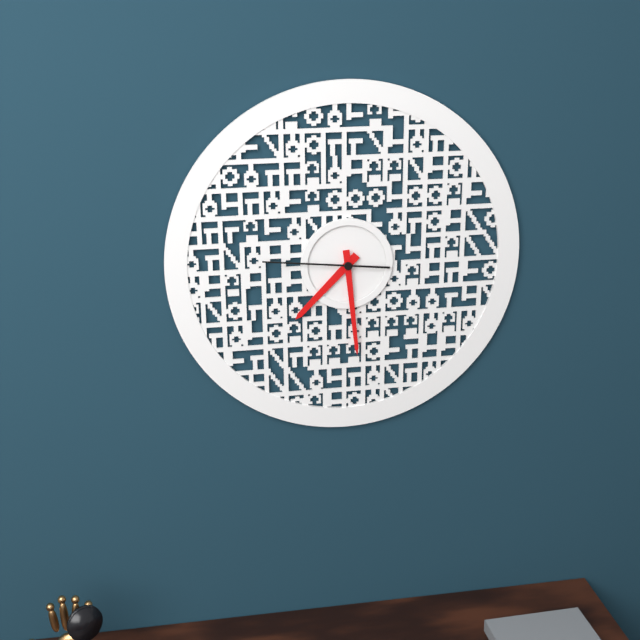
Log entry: 7:29:46
